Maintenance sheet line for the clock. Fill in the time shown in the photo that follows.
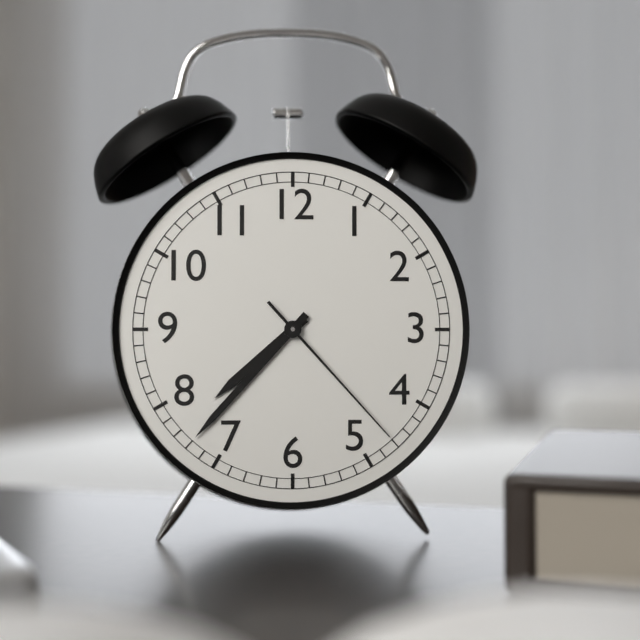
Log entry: 7:37:23
